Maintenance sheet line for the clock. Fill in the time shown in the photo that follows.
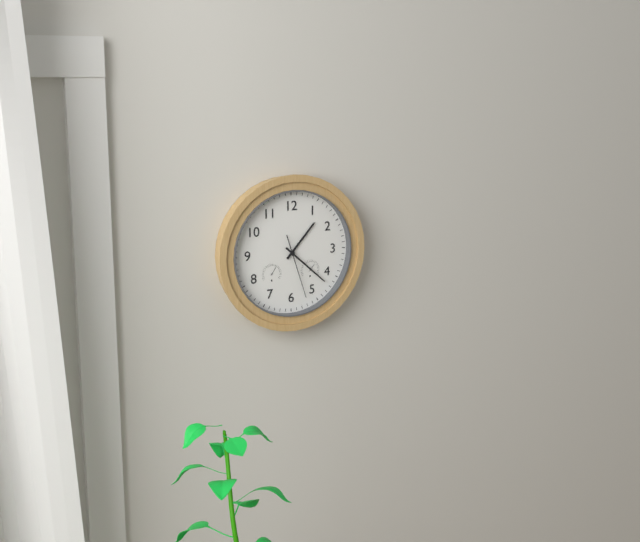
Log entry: 1:22:27
